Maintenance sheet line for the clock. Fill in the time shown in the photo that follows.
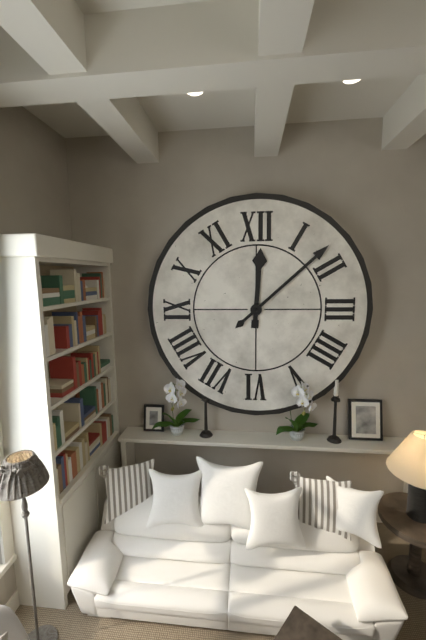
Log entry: 12:08
